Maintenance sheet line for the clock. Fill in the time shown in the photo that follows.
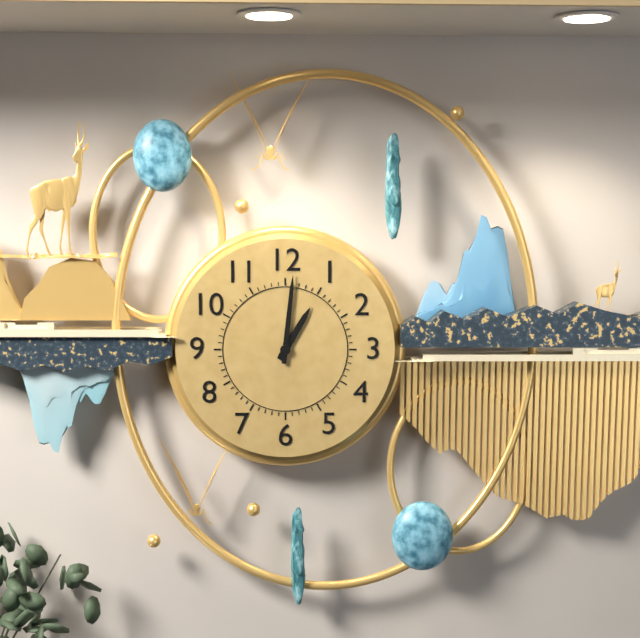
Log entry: 1:01
